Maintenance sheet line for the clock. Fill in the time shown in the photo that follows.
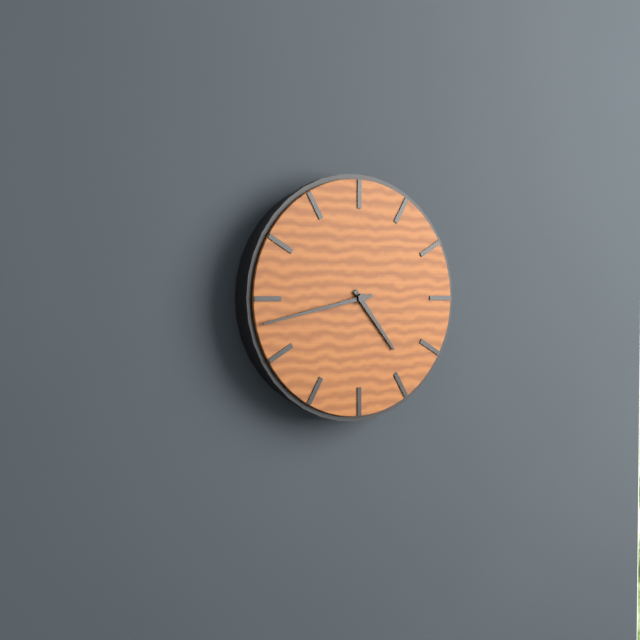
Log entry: 4:43
